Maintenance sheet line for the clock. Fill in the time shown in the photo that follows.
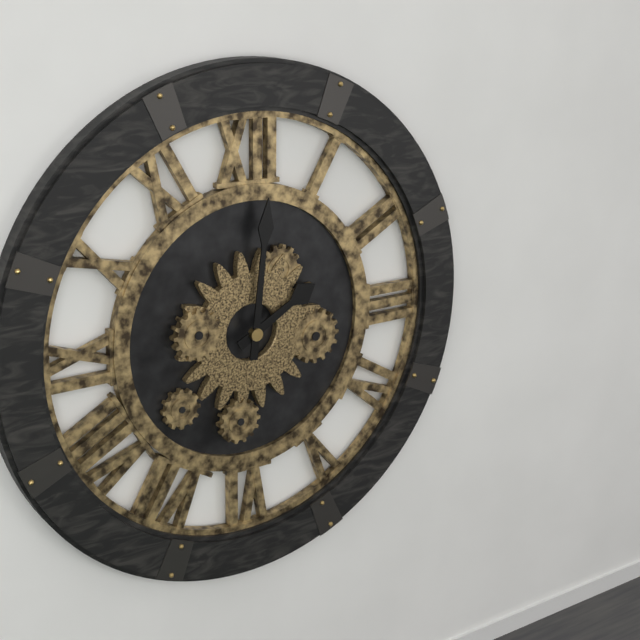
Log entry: 2:01
